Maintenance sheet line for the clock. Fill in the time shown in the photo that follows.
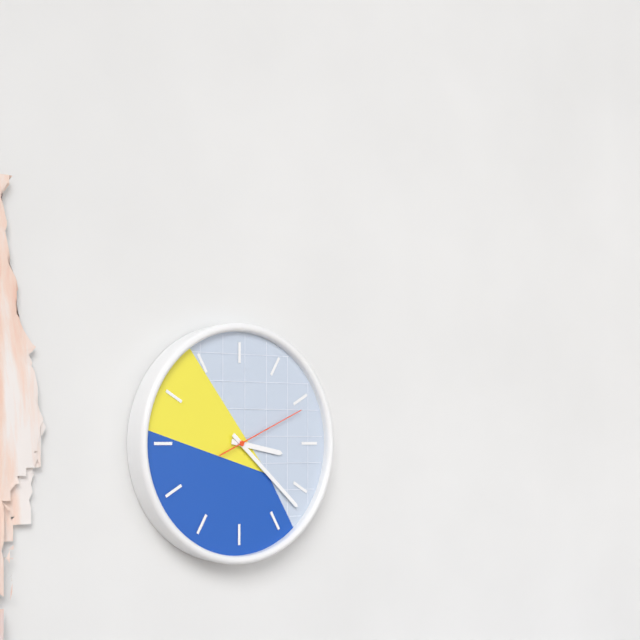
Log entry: 3:22:11
